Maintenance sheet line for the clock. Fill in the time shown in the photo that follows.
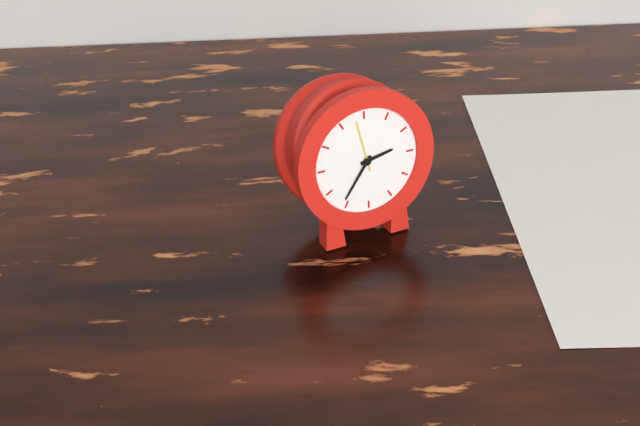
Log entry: 2:36:58
